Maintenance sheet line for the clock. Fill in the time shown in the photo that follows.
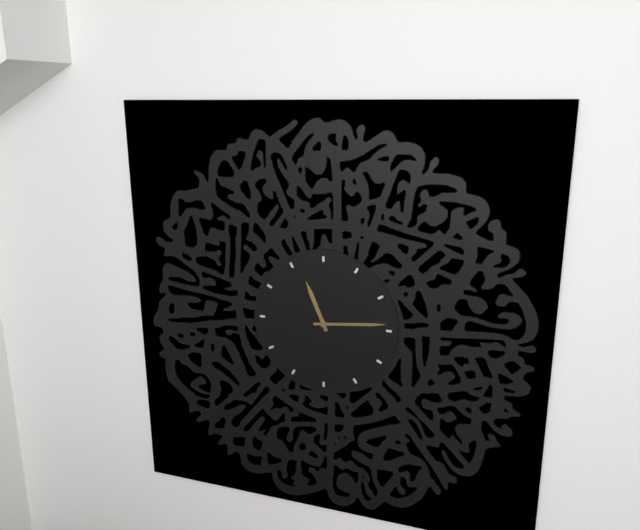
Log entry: 11:14
